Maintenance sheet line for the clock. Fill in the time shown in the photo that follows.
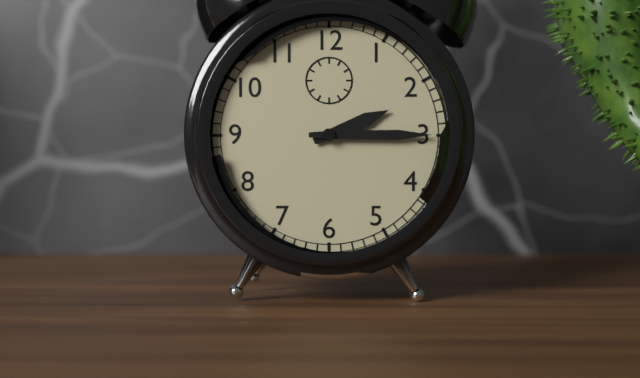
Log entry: 2:15
